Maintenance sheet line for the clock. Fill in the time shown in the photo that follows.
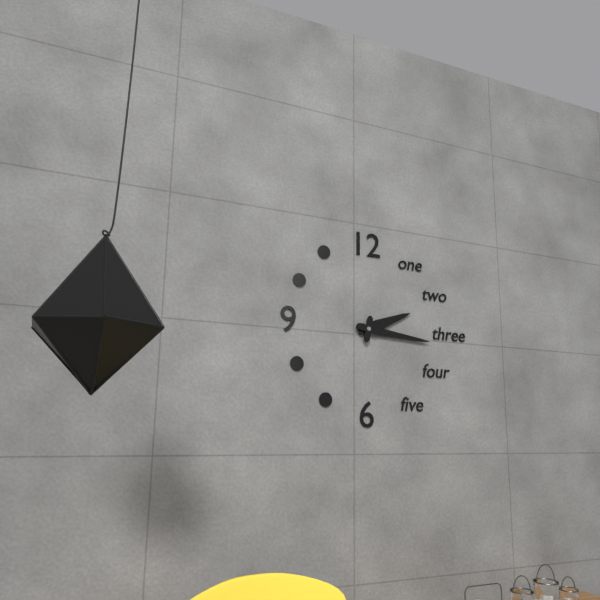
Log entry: 2:16
